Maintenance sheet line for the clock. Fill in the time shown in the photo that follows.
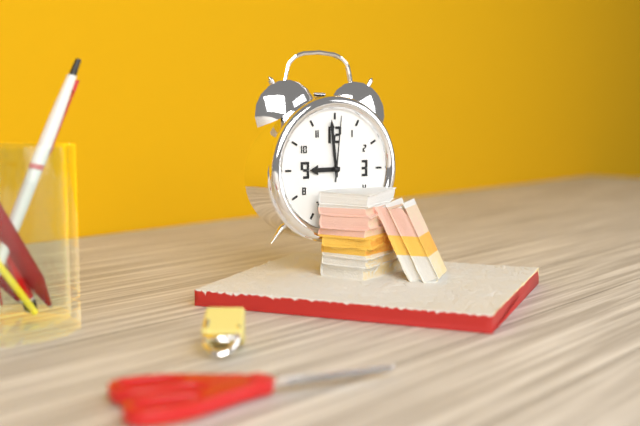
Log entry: 8:59:01
